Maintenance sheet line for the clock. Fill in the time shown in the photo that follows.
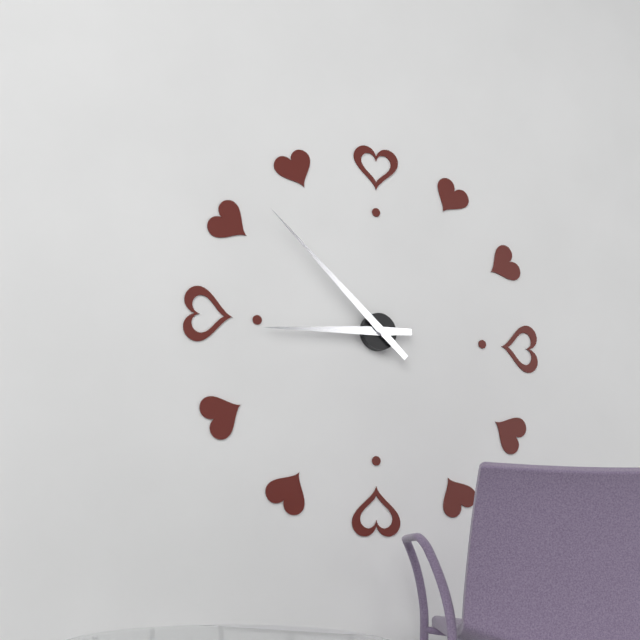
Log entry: 8:52
